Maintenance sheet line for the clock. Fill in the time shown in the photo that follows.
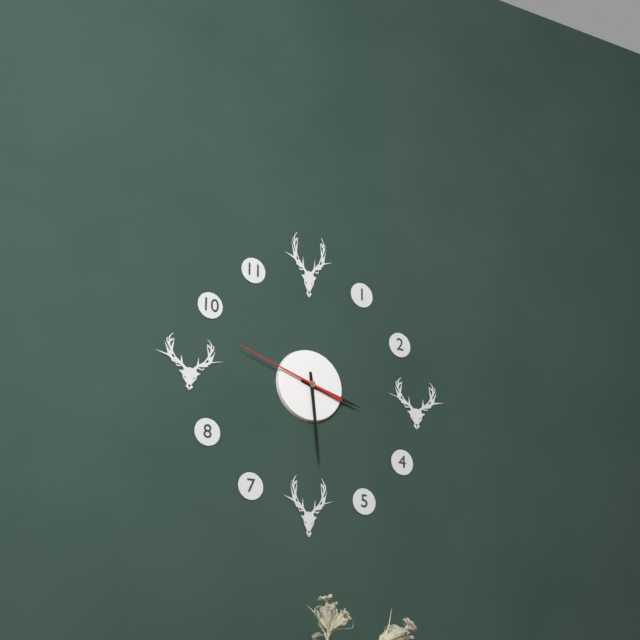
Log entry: 3:29:48
